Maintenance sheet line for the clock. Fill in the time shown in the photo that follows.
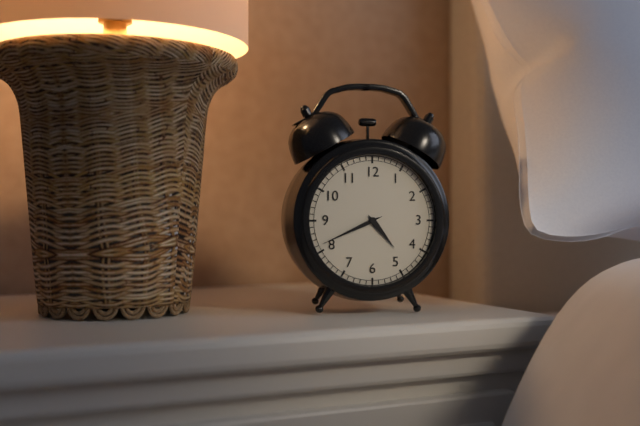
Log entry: 4:41
